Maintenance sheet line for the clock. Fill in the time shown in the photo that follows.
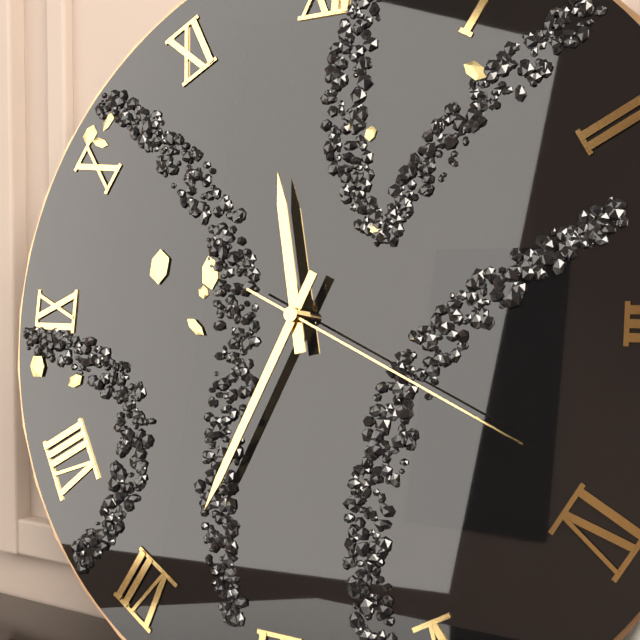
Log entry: 11:34:19
